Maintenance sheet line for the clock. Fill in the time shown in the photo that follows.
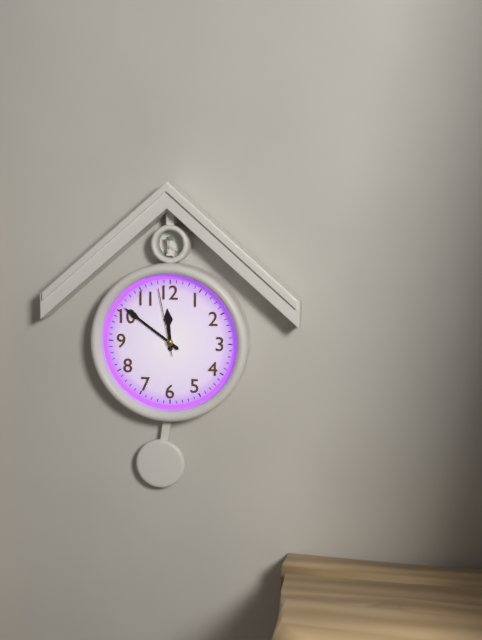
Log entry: 11:51:58
